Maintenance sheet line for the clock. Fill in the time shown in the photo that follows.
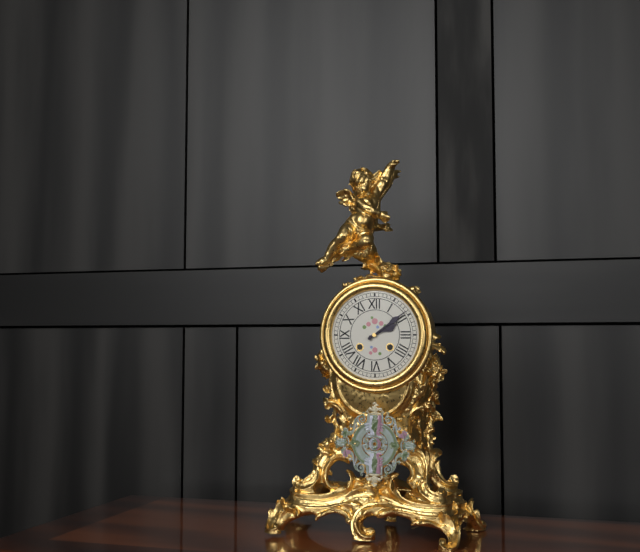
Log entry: 2:09
